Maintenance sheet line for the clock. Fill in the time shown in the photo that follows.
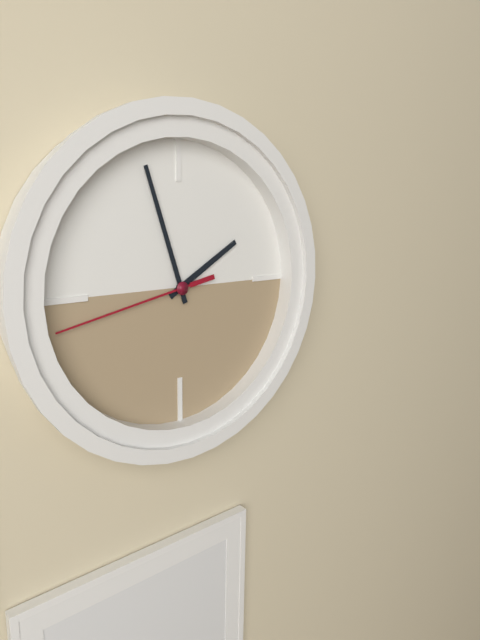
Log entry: 1:57:43
